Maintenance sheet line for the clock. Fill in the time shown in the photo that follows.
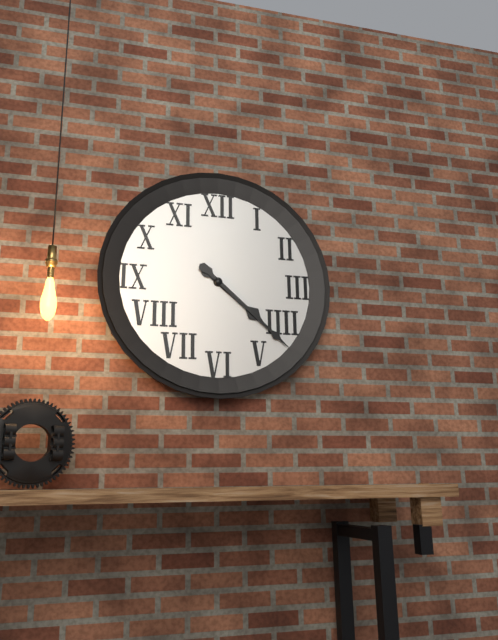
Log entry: 4:22
